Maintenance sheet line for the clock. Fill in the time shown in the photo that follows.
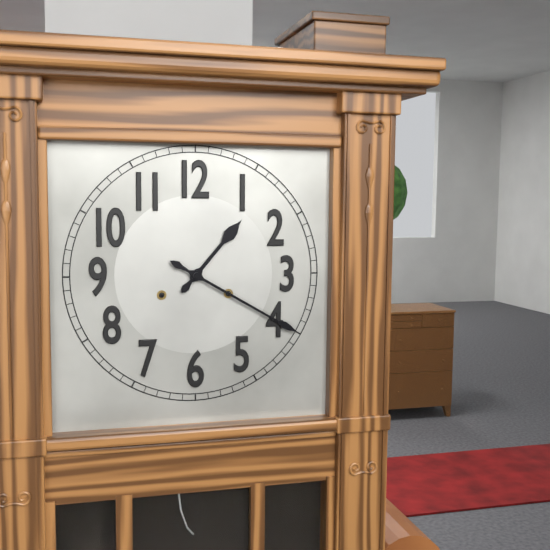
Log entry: 1:20
